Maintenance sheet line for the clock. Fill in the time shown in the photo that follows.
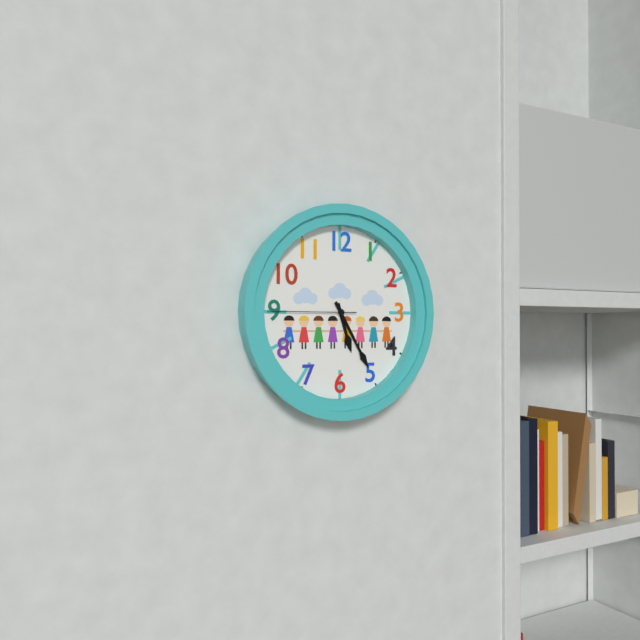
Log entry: 5:25:45
